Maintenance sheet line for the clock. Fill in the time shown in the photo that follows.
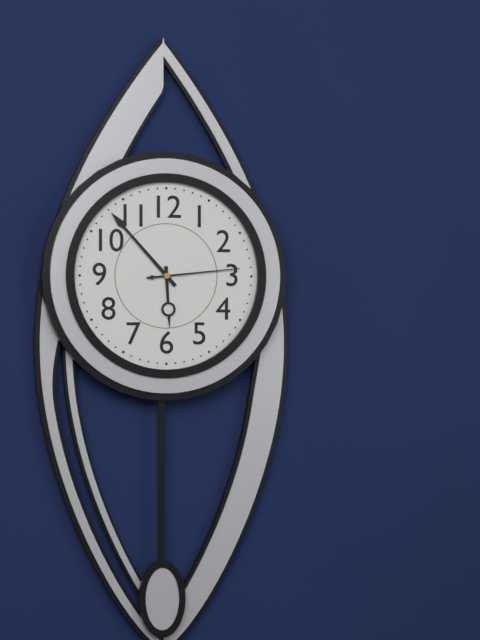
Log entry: 5:53:14
